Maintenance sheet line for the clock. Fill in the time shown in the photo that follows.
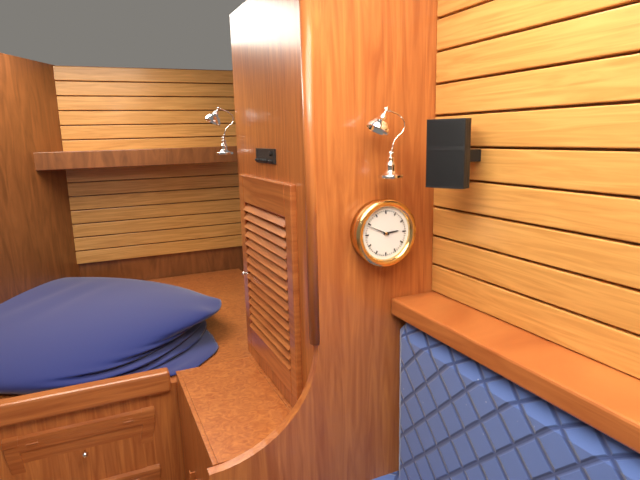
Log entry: 2:49
